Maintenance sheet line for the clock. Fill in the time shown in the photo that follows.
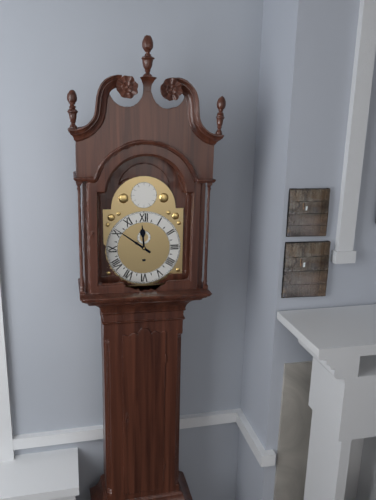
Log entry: 11:51
